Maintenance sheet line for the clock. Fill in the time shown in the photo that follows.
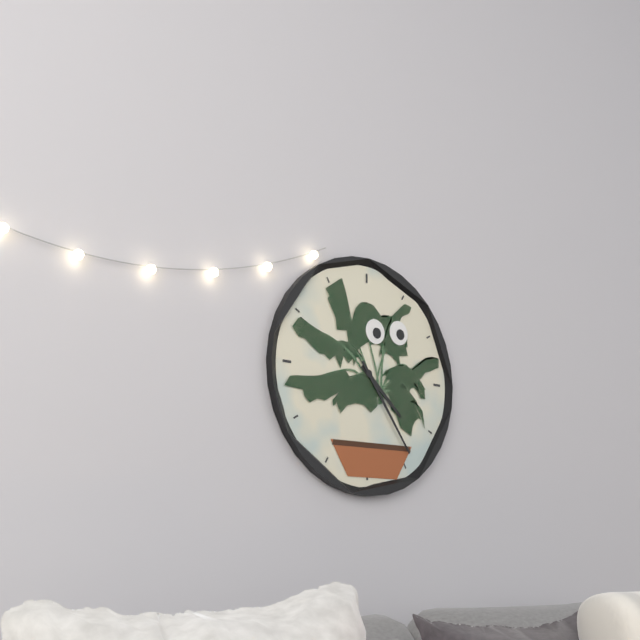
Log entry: 4:24
